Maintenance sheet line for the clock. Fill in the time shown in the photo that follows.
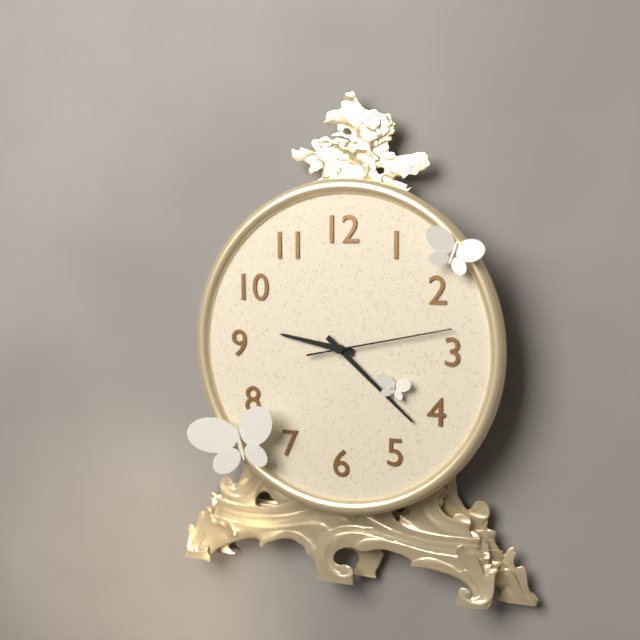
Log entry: 9:22:13
